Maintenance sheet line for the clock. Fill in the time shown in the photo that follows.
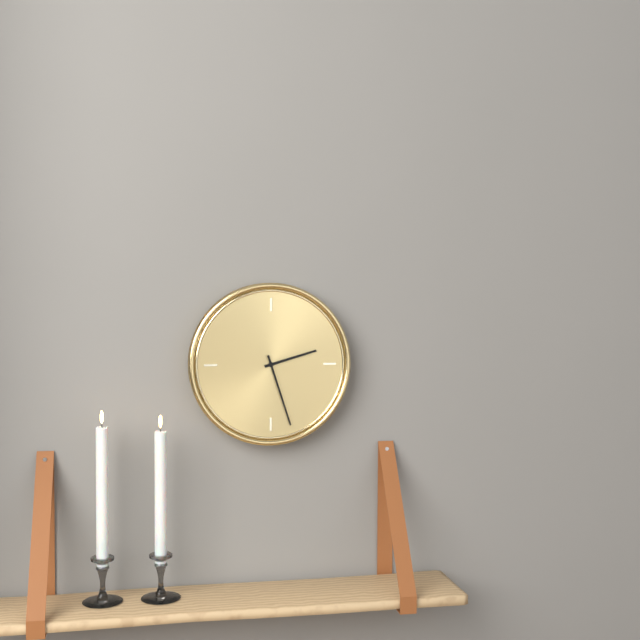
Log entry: 2:27
